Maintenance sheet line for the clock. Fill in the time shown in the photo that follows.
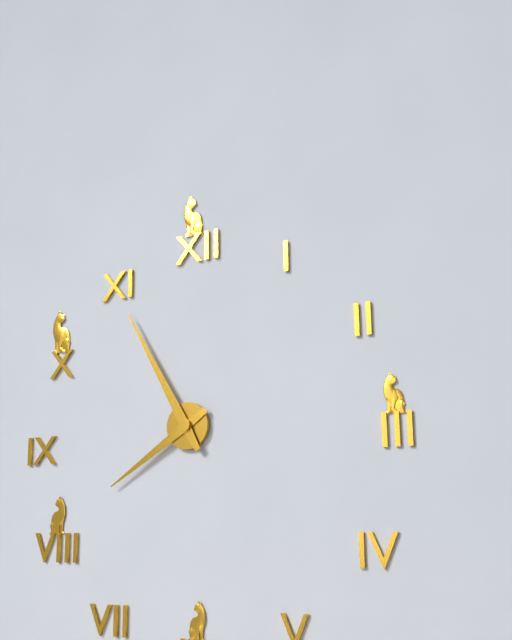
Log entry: 7:55
